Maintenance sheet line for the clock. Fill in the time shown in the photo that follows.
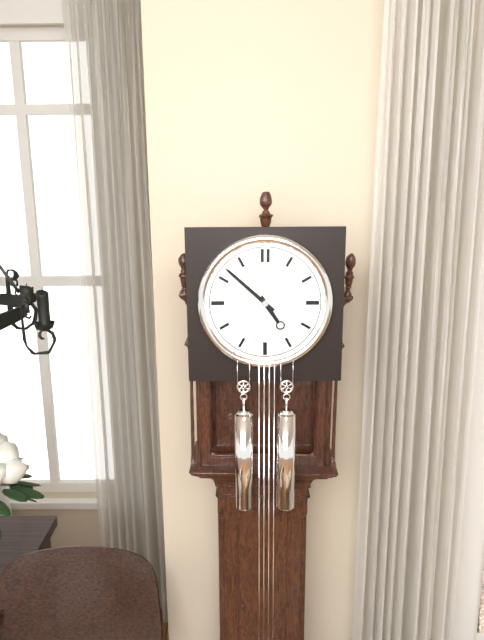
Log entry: 4:52
